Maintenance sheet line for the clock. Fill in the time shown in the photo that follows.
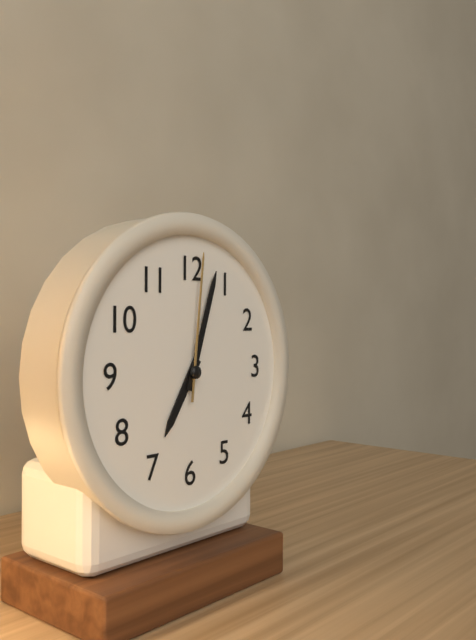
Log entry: 7:03:01
